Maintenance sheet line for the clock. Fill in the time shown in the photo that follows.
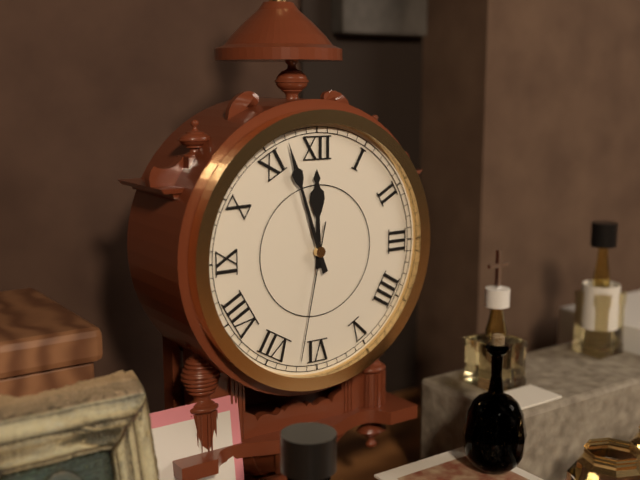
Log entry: 11:57:32
